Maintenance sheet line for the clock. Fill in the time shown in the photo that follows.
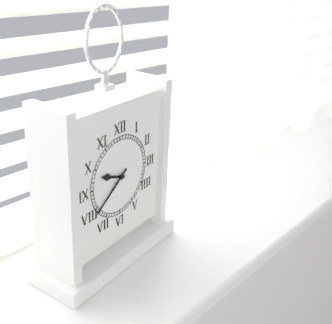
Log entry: 9:39
